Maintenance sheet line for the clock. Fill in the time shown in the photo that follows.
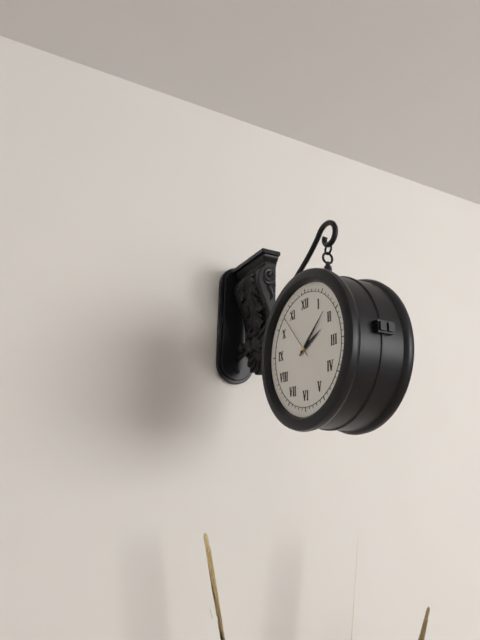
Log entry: 2:08
